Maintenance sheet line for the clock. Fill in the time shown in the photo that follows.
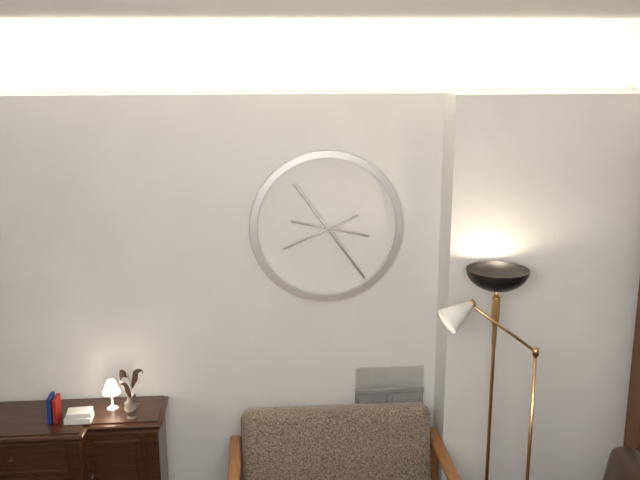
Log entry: 3:24:41
